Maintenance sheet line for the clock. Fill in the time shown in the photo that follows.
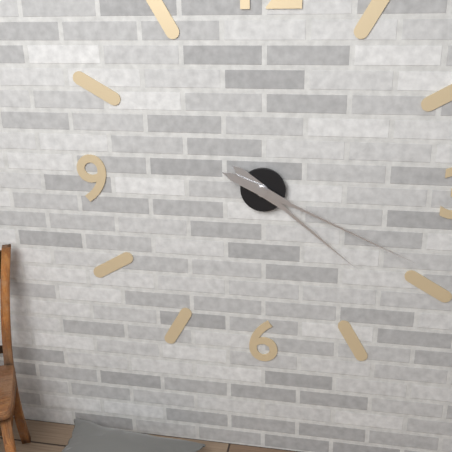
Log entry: 4:19
